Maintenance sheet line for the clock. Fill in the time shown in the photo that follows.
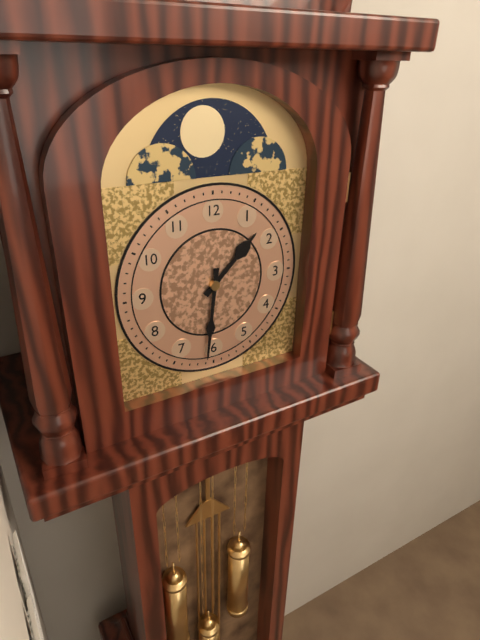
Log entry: 1:31
